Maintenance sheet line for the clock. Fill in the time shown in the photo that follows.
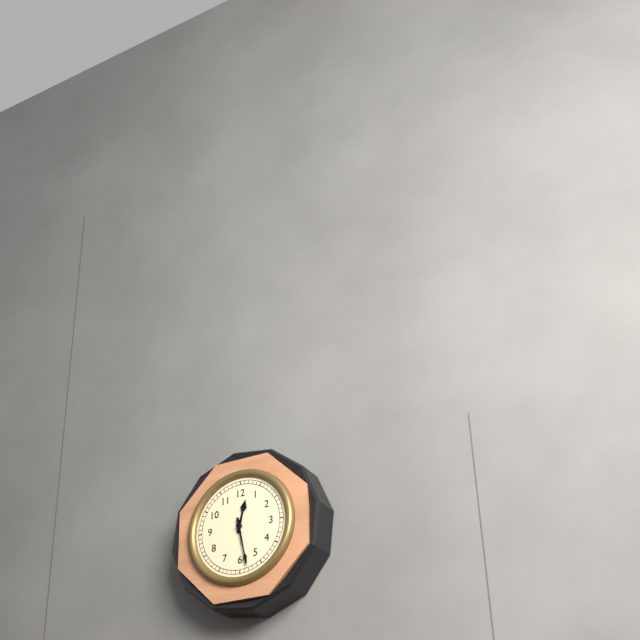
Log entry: 12:28
